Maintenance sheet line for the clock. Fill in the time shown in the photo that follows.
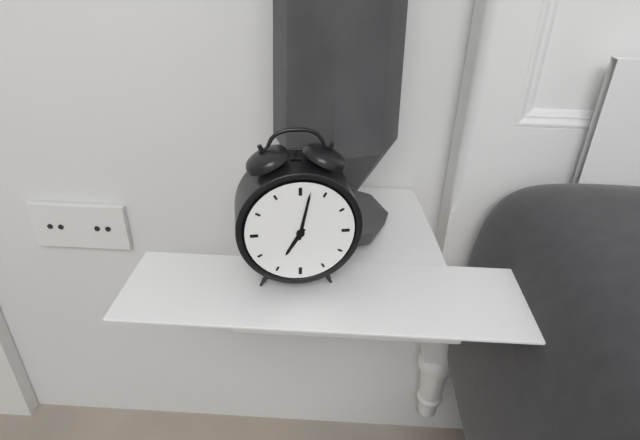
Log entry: 7:02
